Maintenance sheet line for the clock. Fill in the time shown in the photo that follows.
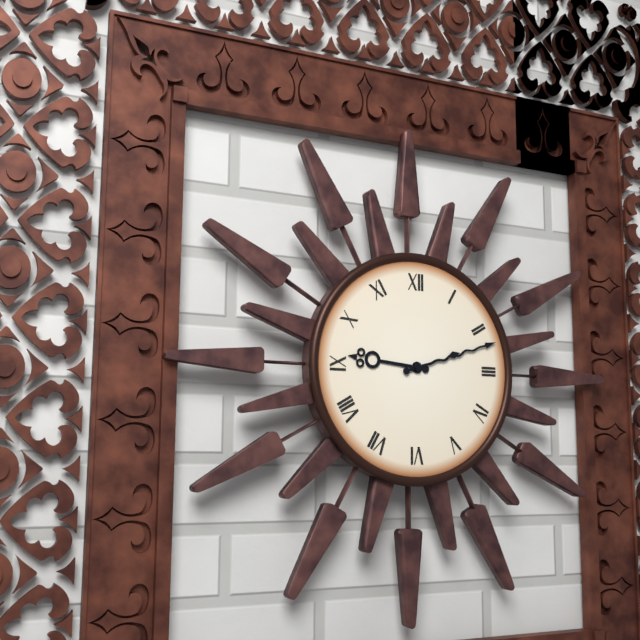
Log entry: 9:12
